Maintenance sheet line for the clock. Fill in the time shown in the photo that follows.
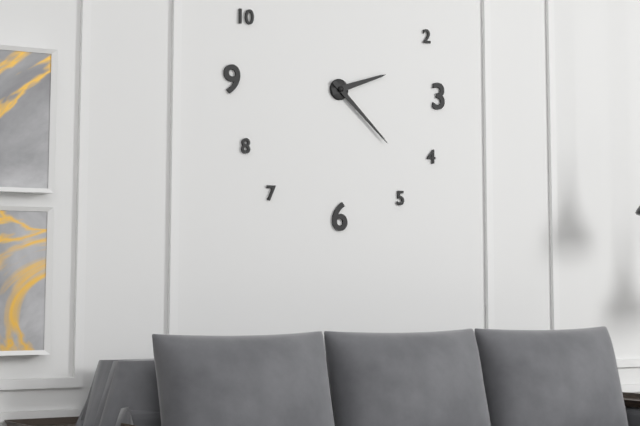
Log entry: 2:22
